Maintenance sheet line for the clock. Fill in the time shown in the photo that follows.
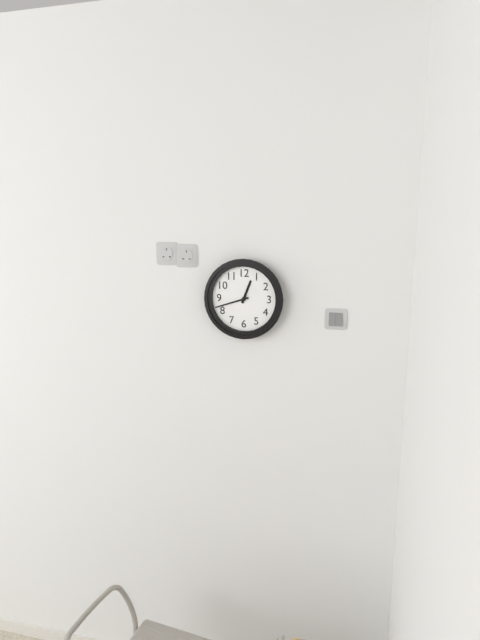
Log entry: 12:42
